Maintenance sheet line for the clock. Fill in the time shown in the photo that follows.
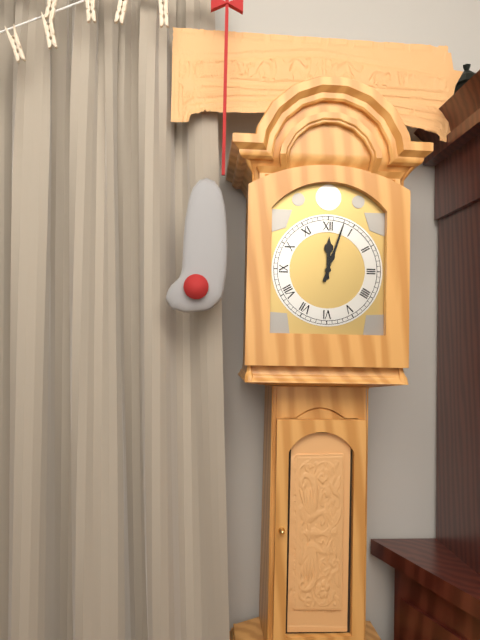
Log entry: 12:03
